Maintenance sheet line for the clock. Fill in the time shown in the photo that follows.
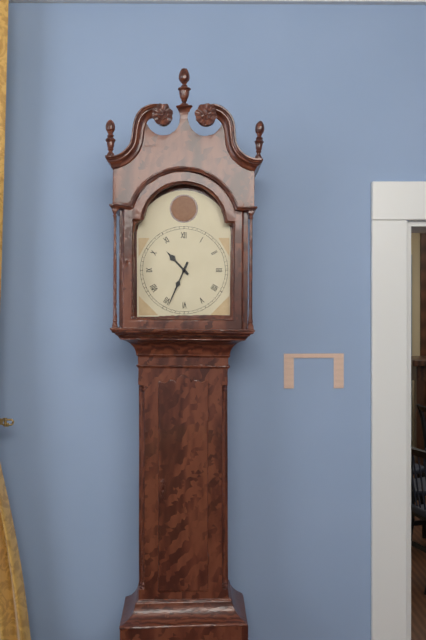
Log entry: 10:34
